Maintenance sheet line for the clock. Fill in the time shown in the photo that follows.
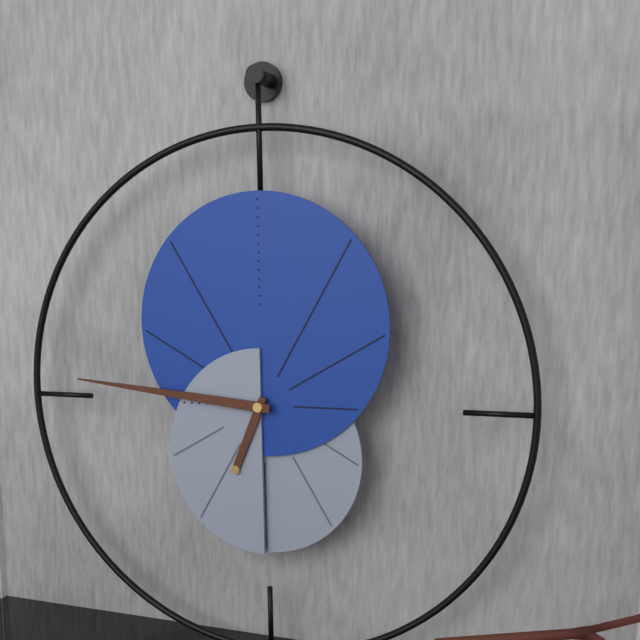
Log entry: 6:46
